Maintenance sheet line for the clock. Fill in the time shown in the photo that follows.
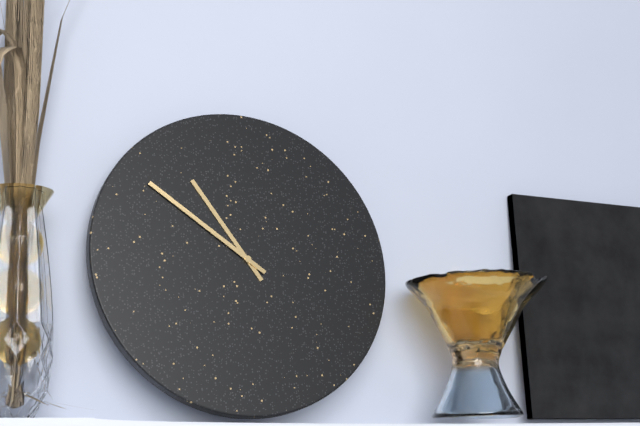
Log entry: 10:51
